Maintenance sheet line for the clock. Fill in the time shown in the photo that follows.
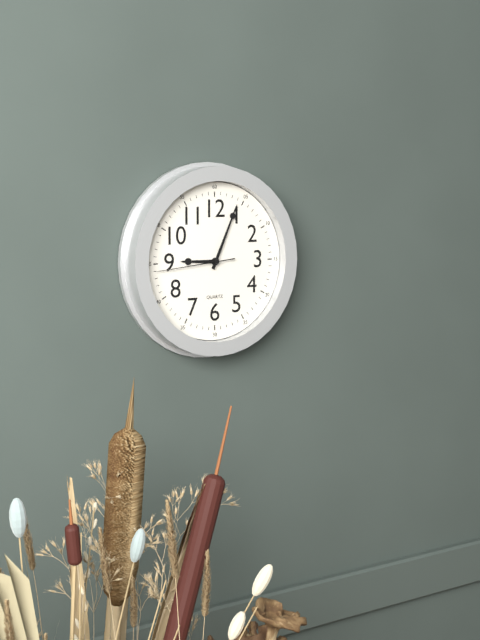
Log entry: 9:04:44
